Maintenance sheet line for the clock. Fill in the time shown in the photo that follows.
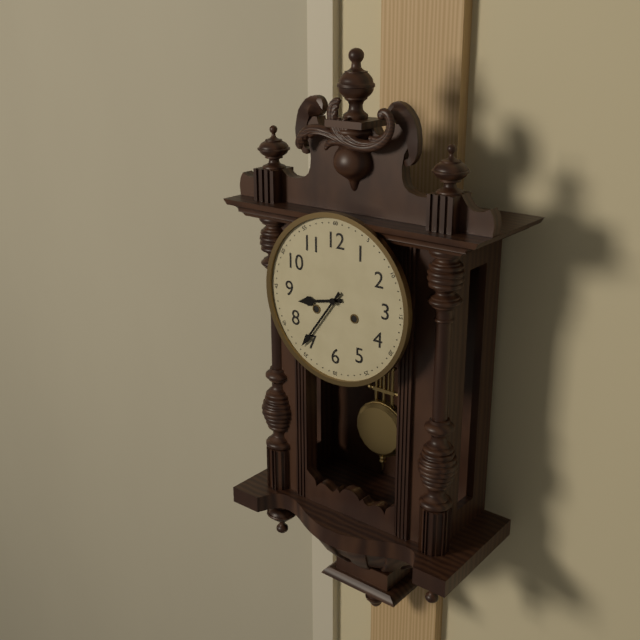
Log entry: 8:36
